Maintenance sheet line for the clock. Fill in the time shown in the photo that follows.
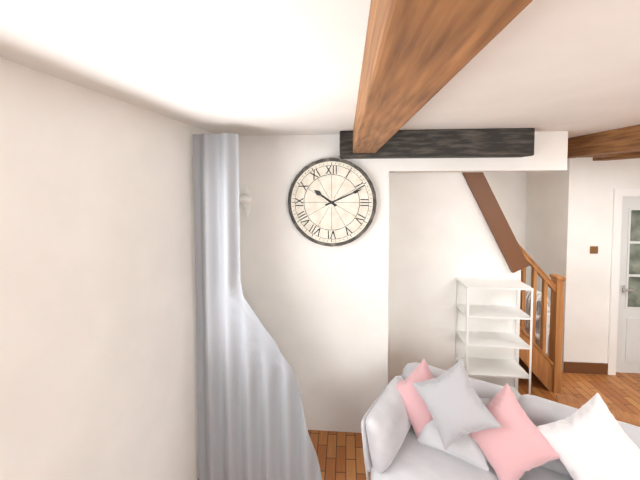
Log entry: 10:11
